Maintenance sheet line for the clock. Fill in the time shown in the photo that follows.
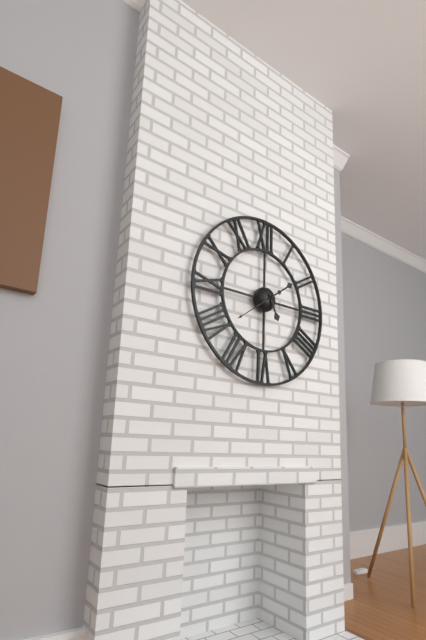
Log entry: 5:09
